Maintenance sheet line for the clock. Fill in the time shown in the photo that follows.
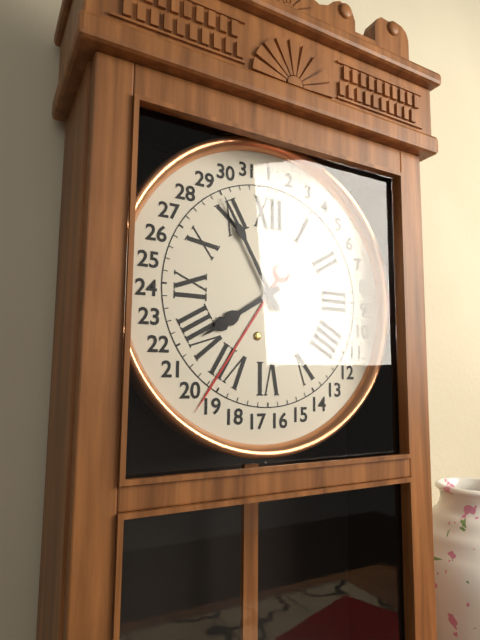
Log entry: 7:55
